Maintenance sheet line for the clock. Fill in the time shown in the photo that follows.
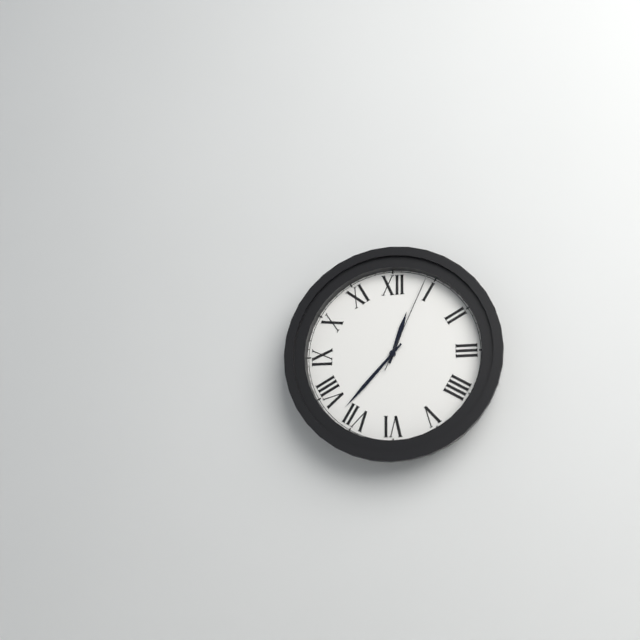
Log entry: 12:37:04
